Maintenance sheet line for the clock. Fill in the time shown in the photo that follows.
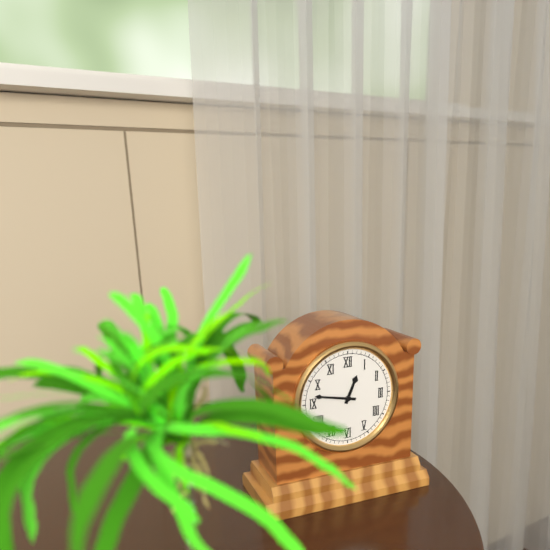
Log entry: 12:47
